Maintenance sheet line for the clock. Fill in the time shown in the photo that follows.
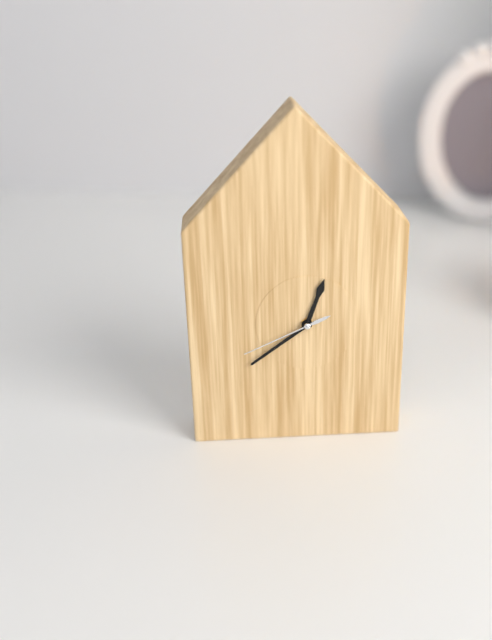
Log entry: 12:39:41
